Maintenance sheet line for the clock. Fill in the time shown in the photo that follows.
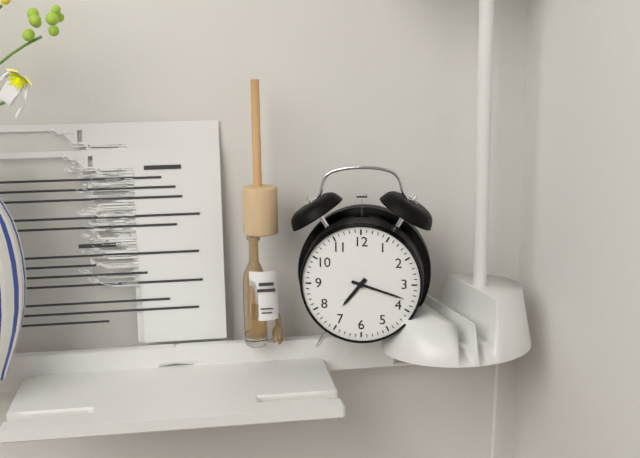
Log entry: 7:18
